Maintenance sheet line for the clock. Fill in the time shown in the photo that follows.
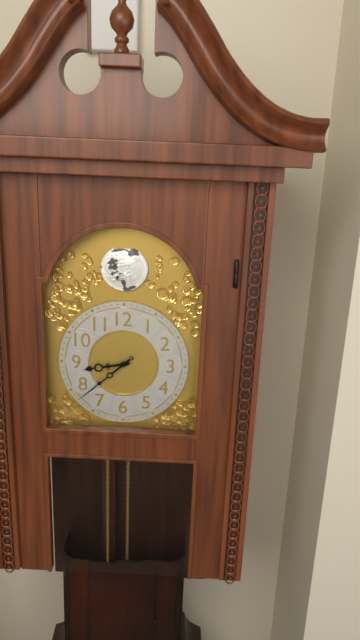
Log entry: 8:38
